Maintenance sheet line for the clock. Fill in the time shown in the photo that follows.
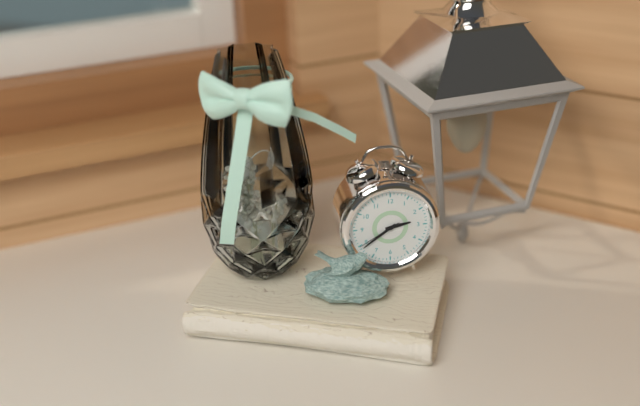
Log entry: 2:39
